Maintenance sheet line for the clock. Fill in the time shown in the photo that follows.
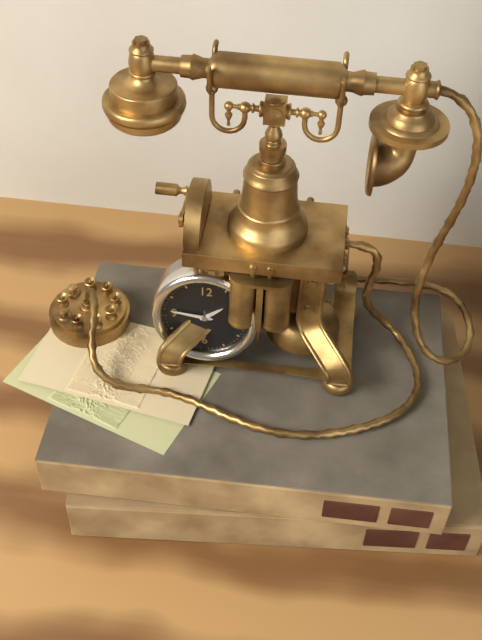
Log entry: 1:46
